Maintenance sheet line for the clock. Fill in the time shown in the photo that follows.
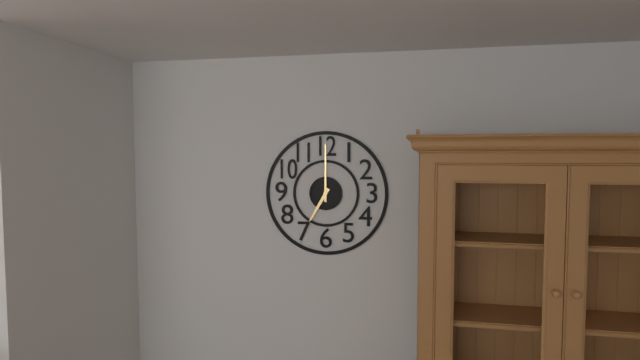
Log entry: 7:00
